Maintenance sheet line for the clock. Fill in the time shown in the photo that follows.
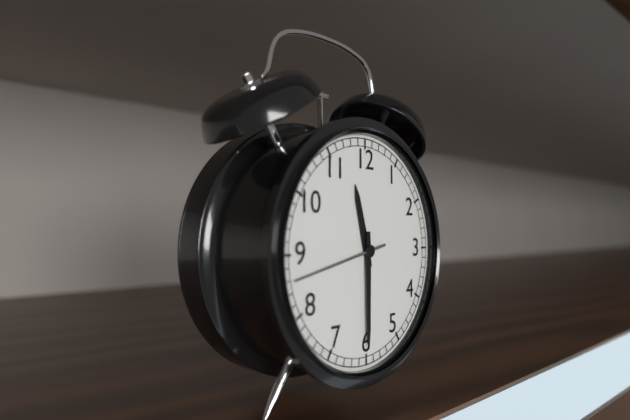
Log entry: 11:30:43
